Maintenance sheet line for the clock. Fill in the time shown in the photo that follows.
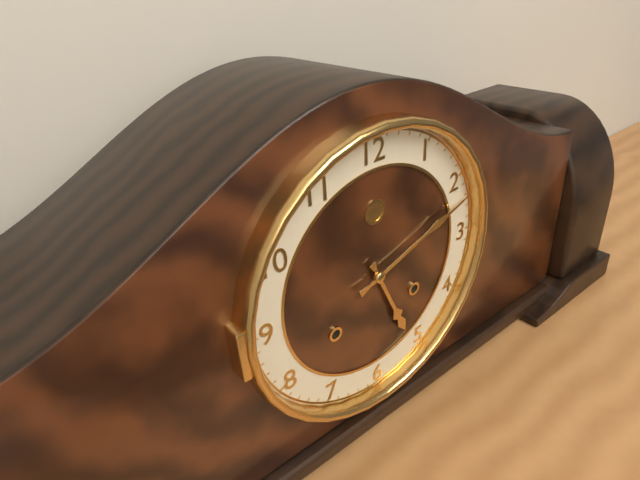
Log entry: 5:12
